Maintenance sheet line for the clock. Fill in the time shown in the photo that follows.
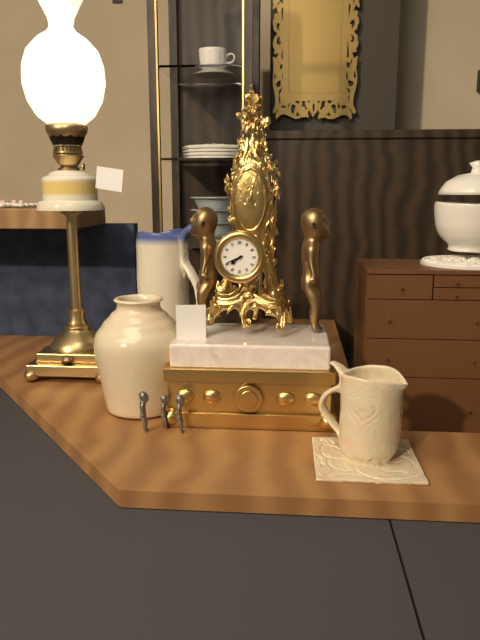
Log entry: 7:41
